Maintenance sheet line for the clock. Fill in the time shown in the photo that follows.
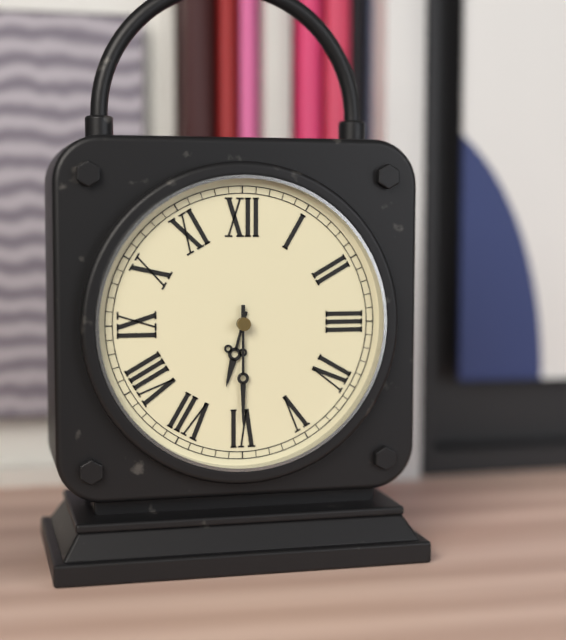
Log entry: 6:30
